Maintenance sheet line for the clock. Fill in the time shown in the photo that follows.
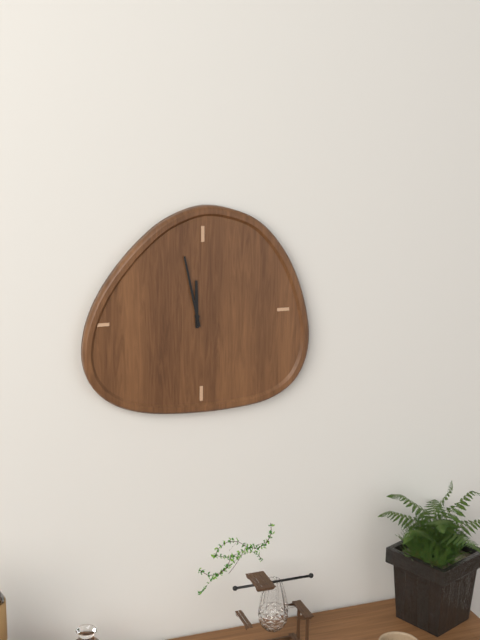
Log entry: 11:58
